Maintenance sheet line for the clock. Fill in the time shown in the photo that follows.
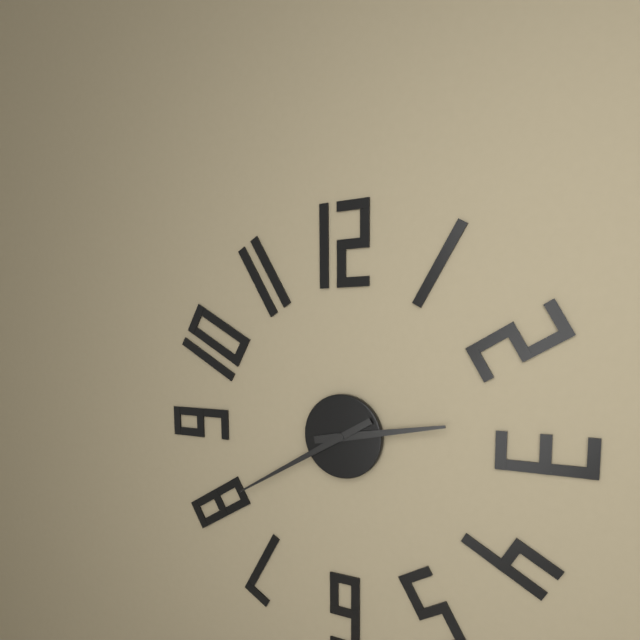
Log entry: 2:40
